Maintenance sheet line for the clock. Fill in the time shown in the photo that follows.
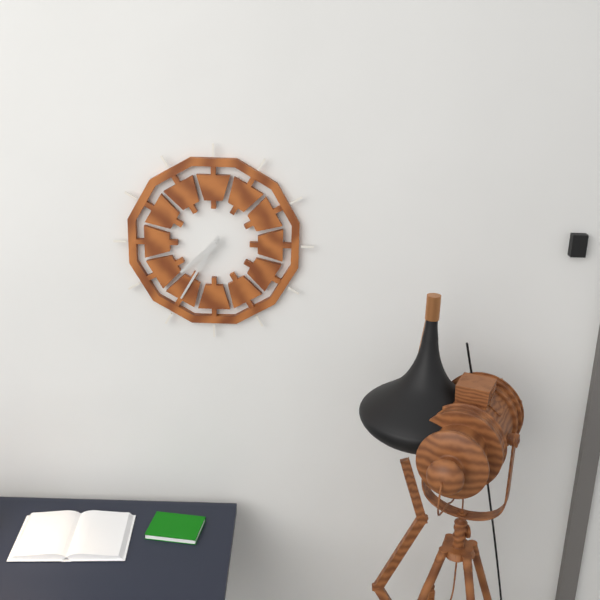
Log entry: 7:35
